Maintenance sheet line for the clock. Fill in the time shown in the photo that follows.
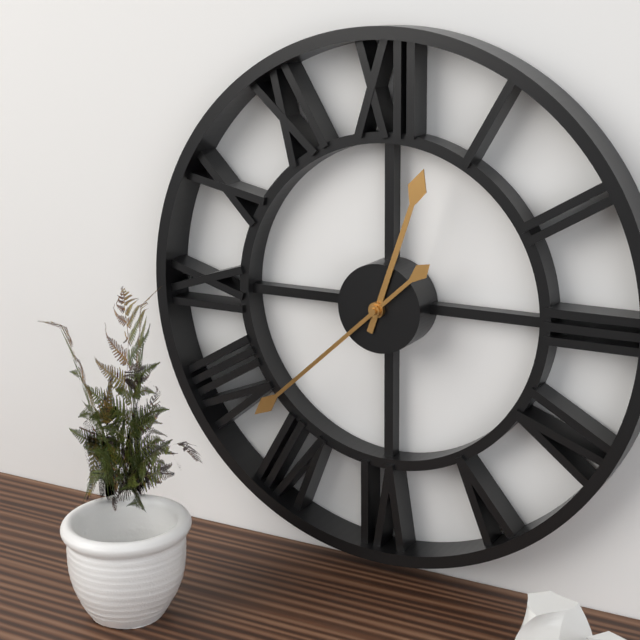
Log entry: 12:38
